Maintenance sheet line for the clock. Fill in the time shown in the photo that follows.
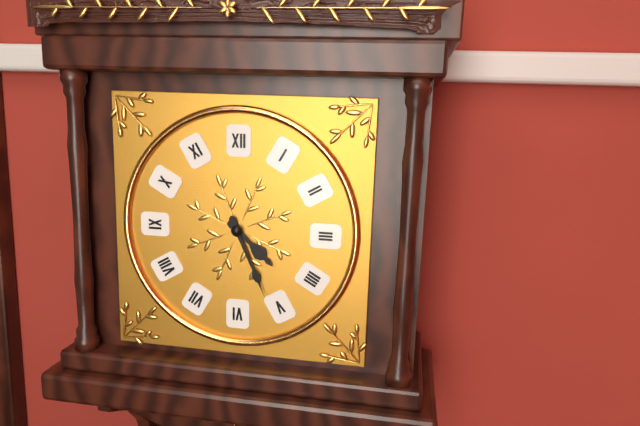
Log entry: 4:26
